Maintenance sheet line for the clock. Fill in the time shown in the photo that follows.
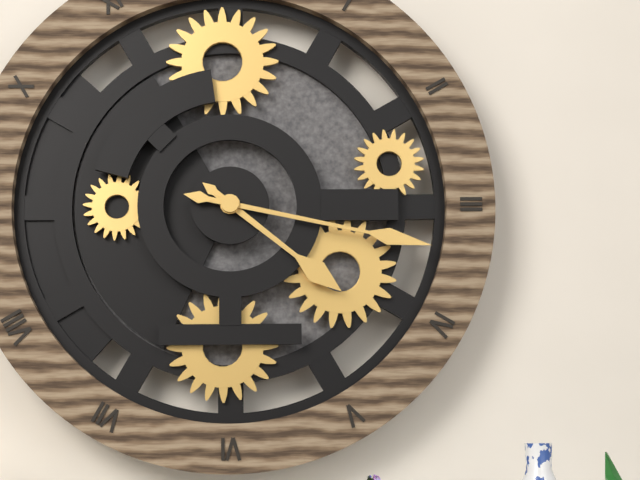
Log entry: 4:17
